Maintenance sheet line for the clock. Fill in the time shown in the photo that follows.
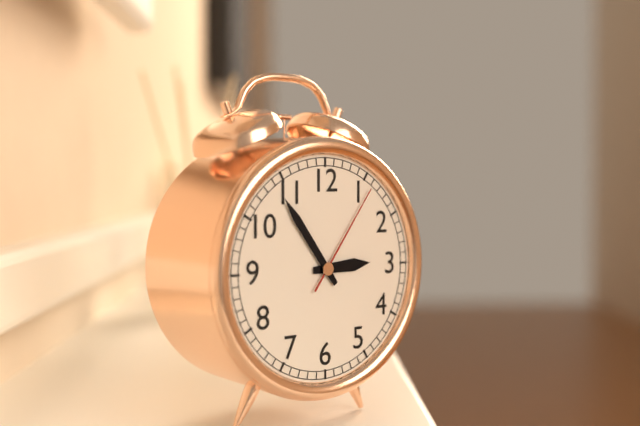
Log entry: 2:54:06
